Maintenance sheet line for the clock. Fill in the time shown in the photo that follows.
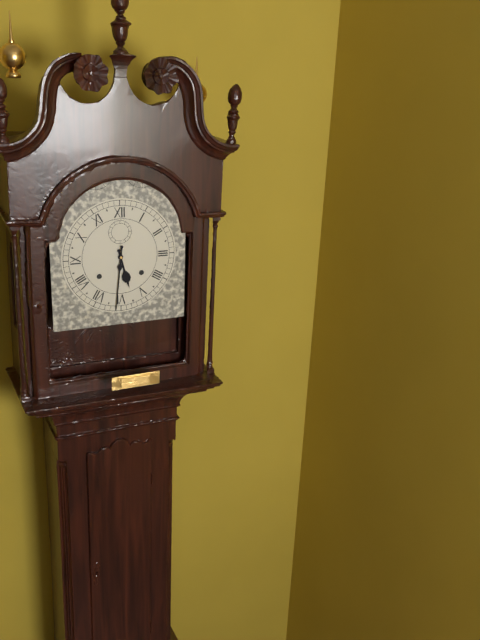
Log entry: 5:31
